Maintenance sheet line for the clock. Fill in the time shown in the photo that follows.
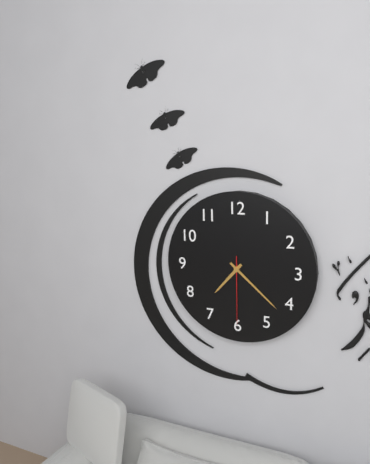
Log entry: 7:22:30
